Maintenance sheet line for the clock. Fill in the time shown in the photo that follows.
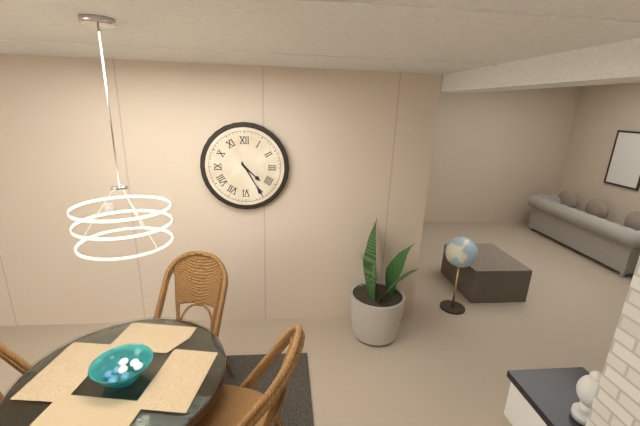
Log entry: 4:25
